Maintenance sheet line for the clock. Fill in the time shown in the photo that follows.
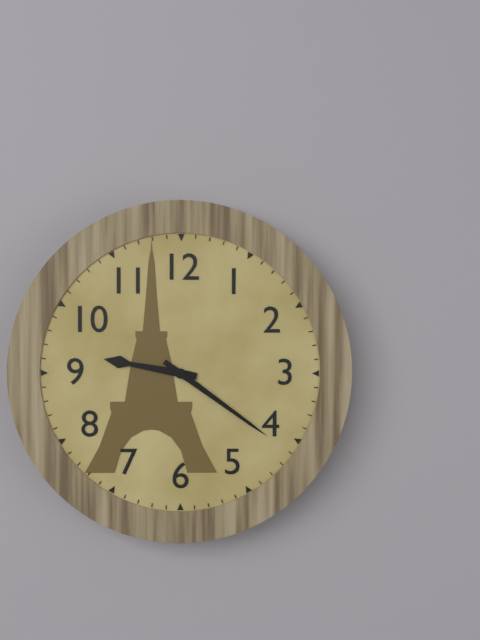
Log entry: 9:21
